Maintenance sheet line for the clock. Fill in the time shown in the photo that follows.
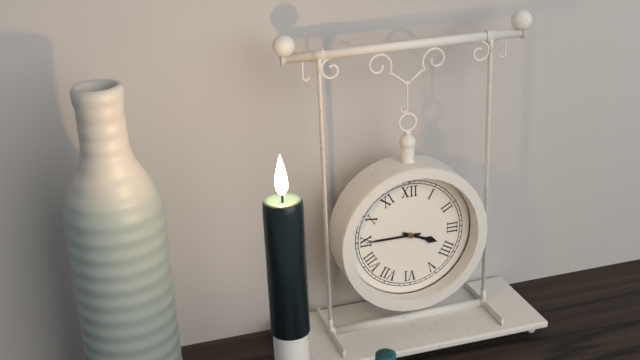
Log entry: 3:45
